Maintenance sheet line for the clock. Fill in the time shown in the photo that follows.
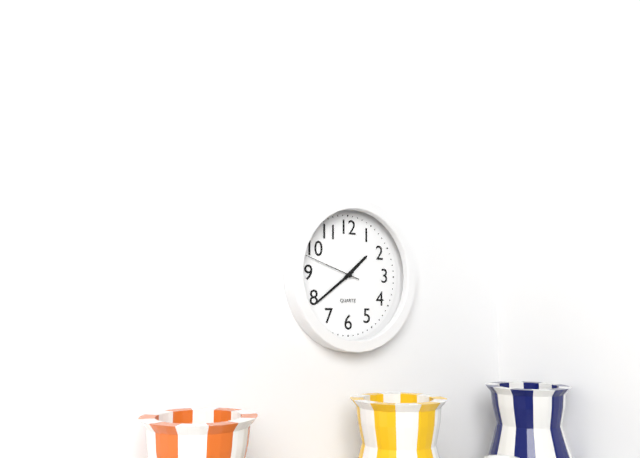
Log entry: 1:39:48
